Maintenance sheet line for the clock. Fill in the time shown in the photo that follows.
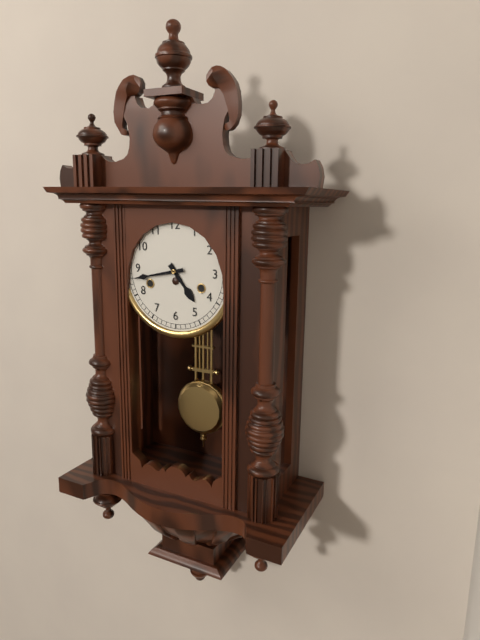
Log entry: 4:43
